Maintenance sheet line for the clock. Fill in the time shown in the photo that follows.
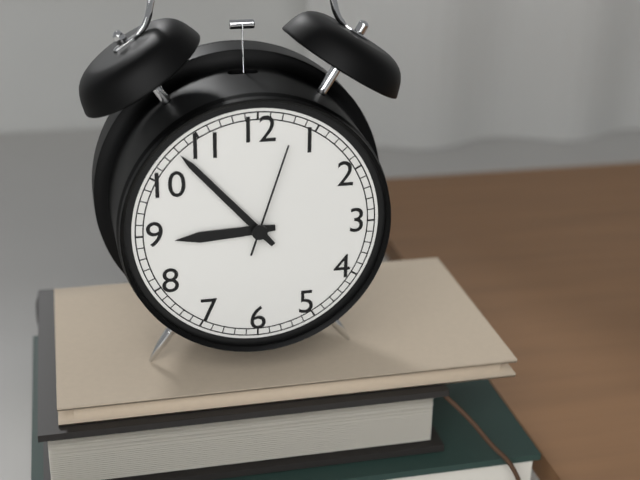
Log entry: 8:53:03
